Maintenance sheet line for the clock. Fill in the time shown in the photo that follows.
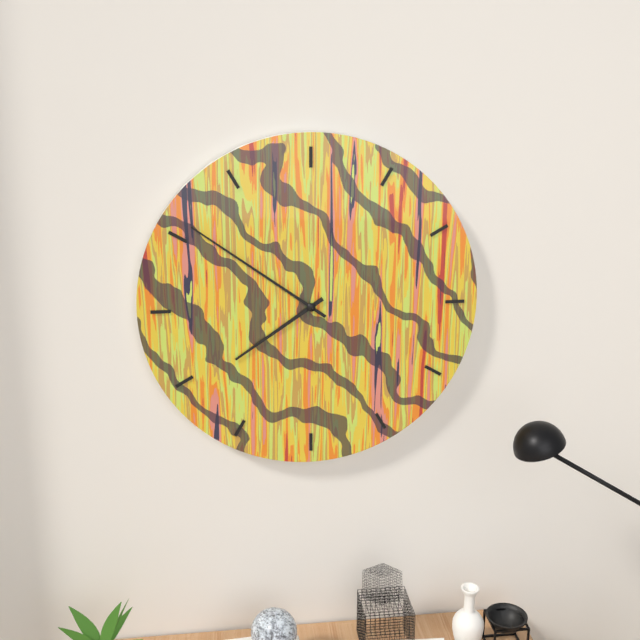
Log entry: 7:51
